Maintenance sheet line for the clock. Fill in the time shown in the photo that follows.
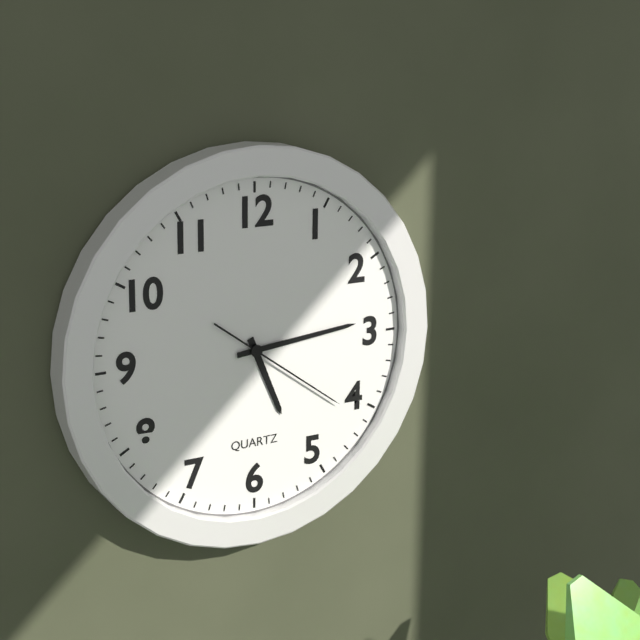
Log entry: 5:14:21
